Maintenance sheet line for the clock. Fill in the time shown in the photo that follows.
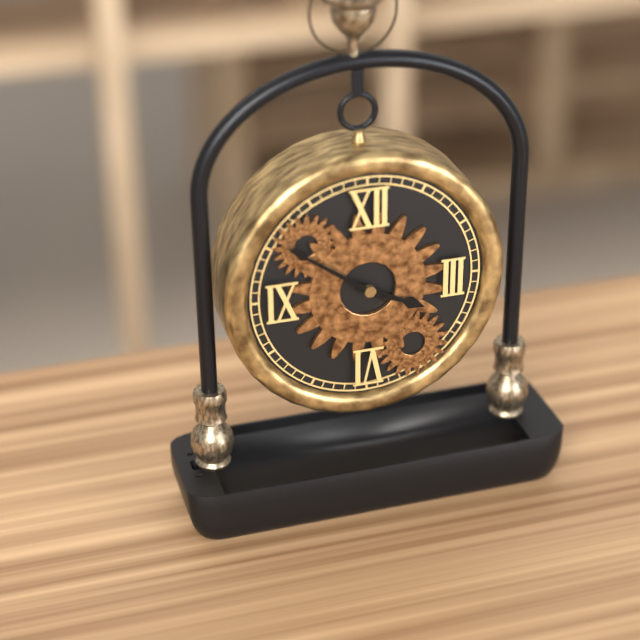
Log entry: 3:51
